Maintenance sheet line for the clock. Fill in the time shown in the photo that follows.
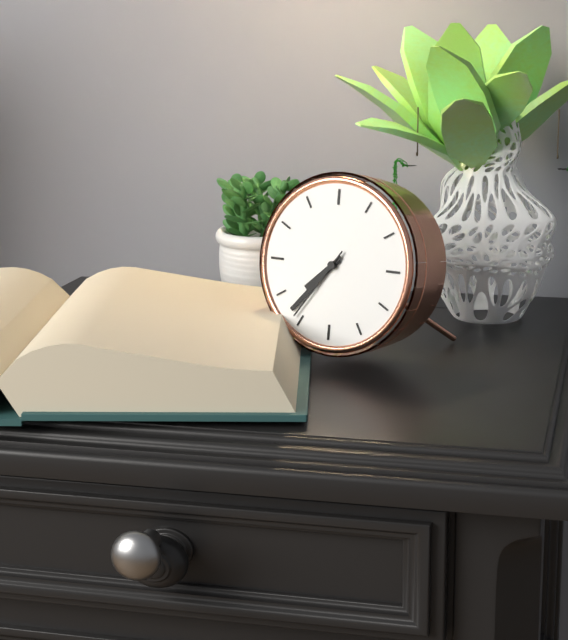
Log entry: 7:37:36
